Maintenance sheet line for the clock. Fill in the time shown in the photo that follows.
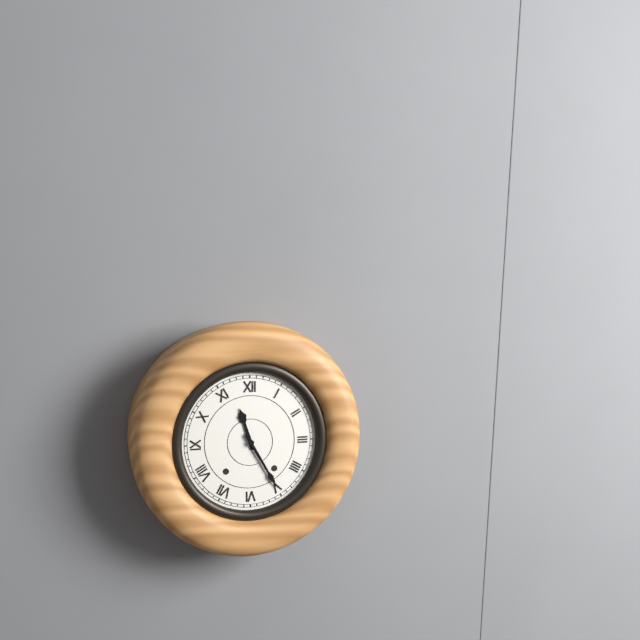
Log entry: 11:25
